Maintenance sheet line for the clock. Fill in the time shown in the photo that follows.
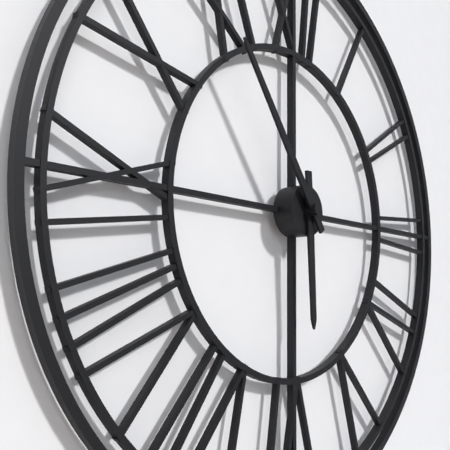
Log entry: 5:54
